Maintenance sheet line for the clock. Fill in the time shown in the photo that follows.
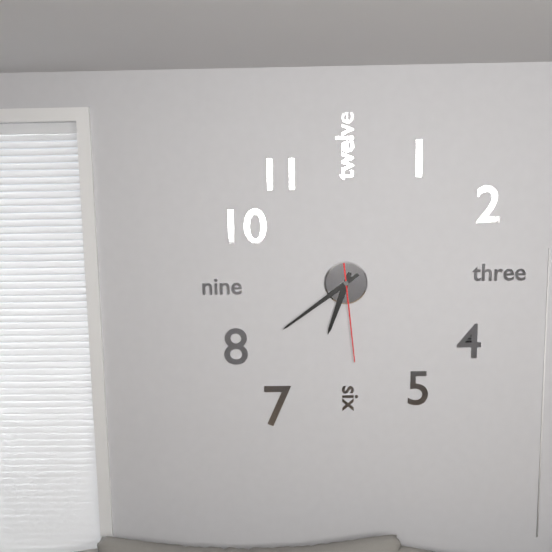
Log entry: 6:39:29
